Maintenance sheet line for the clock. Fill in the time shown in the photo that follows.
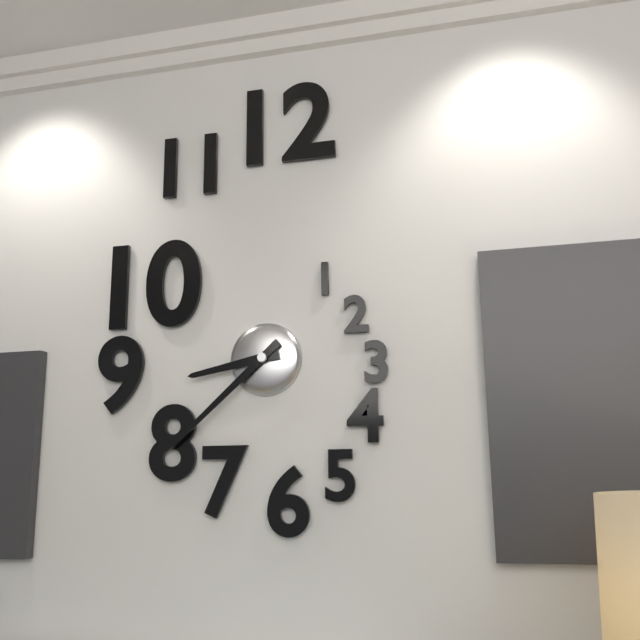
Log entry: 8:38
